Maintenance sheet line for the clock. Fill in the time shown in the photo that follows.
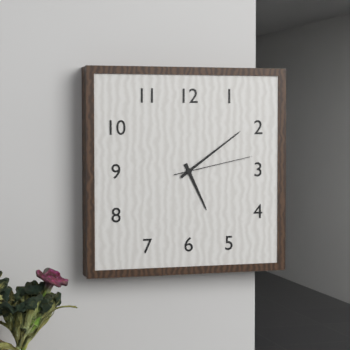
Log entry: 5:09:13
